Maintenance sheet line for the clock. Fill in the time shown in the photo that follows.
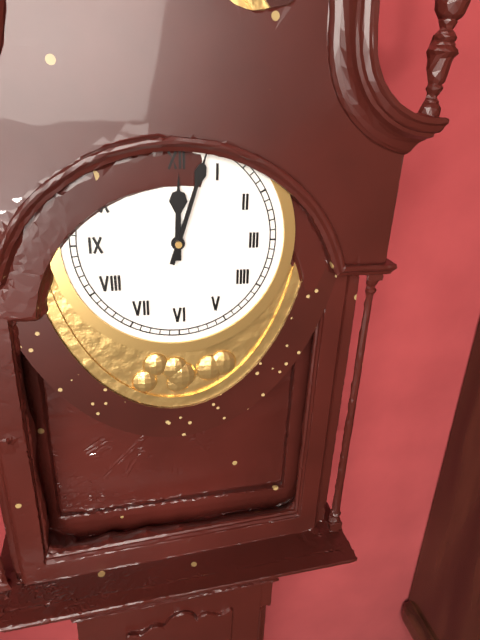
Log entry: 12:03
